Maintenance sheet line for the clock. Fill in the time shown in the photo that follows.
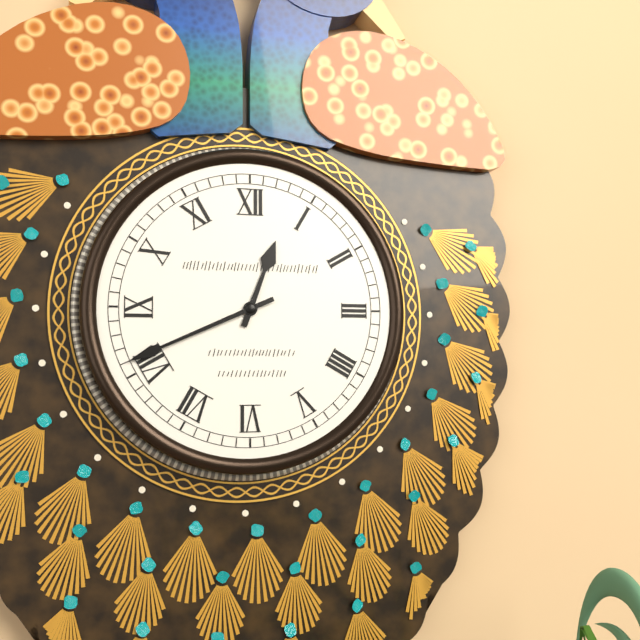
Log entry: 12:41
